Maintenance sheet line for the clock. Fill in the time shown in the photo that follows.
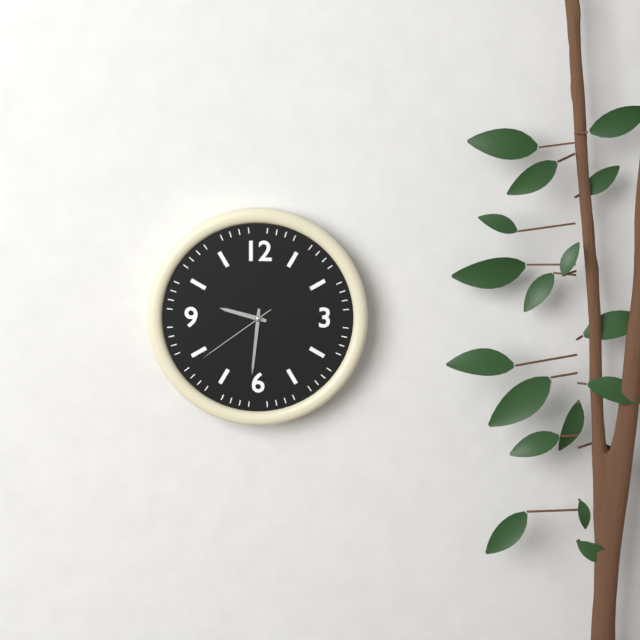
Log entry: 9:31:39
